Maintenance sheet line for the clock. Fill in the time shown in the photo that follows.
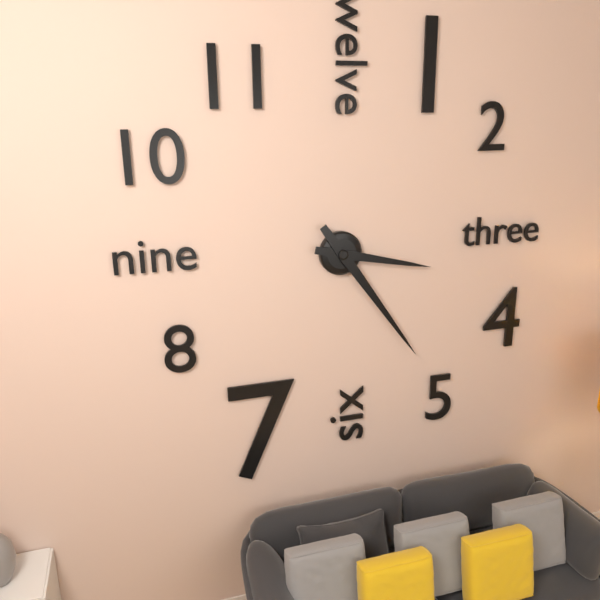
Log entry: 3:24
